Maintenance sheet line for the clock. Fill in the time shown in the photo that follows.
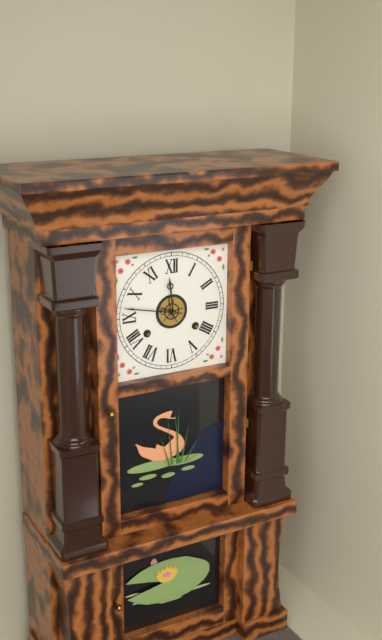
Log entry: 11:47
